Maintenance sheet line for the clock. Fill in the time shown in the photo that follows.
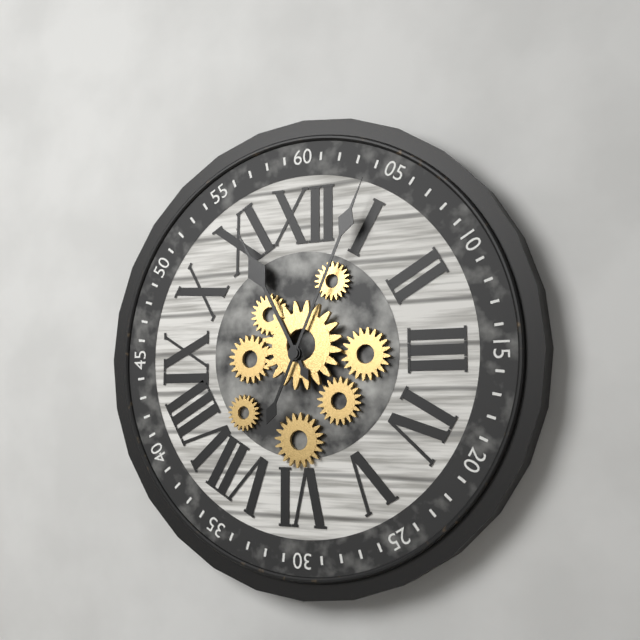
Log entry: 11:04
